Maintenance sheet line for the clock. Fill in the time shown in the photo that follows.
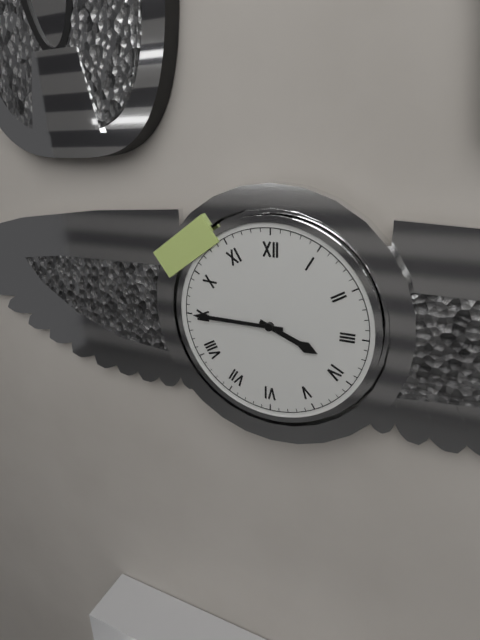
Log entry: 3:45
